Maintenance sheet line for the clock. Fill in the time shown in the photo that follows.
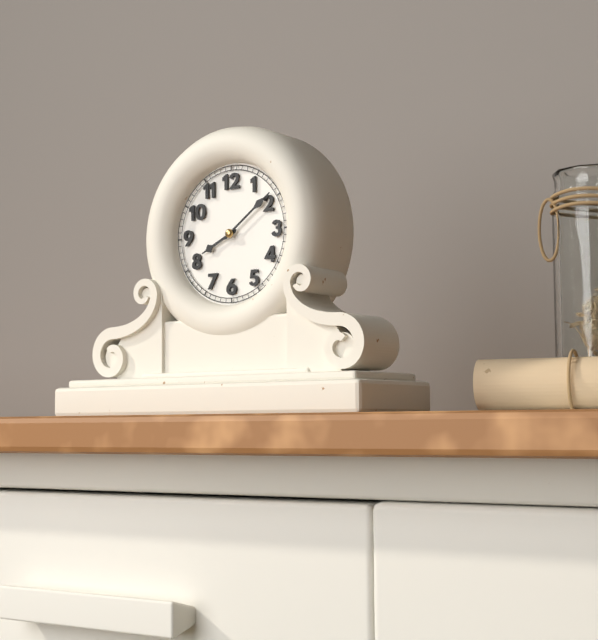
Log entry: 8:09
